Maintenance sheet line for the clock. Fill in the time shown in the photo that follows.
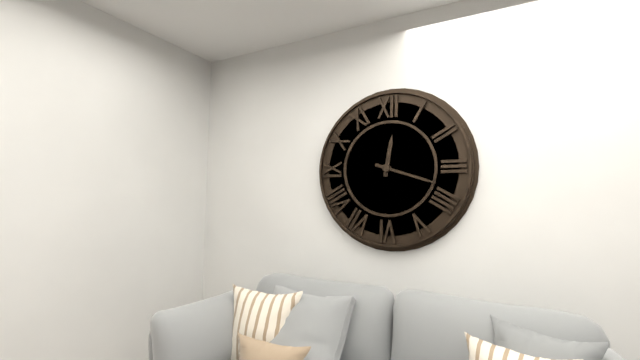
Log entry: 12:18
